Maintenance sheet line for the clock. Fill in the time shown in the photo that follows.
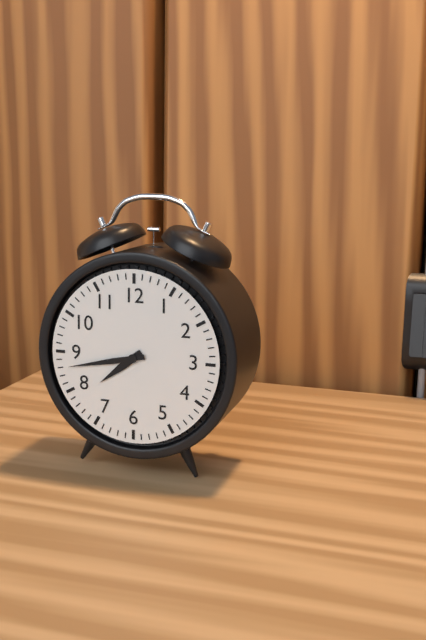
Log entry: 7:43
